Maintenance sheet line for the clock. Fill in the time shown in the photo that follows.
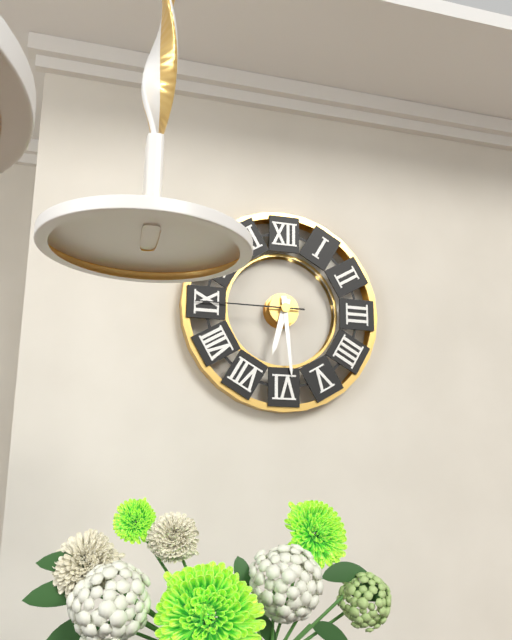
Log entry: 6:29:45
